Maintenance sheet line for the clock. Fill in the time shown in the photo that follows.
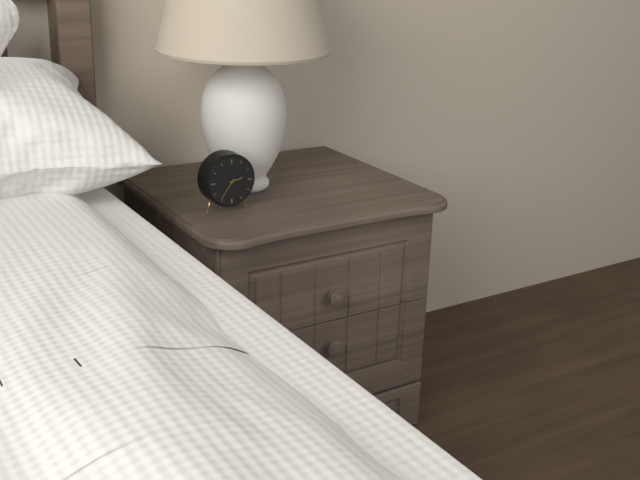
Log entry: 2:36
